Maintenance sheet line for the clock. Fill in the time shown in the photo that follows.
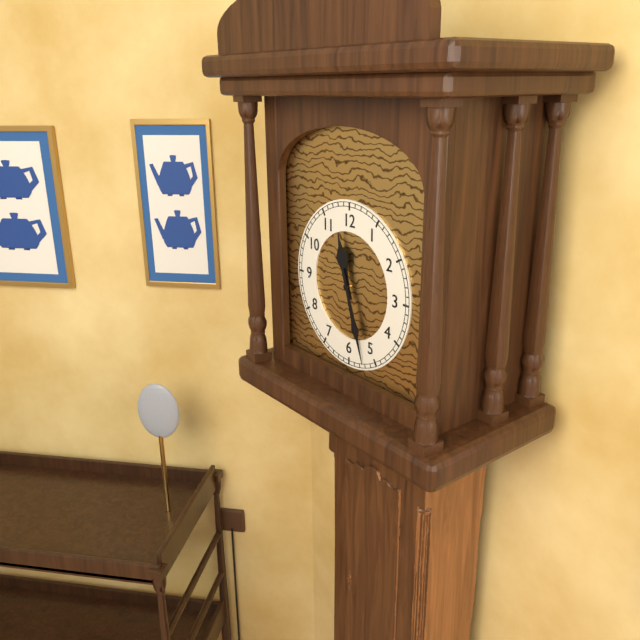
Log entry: 11:27
